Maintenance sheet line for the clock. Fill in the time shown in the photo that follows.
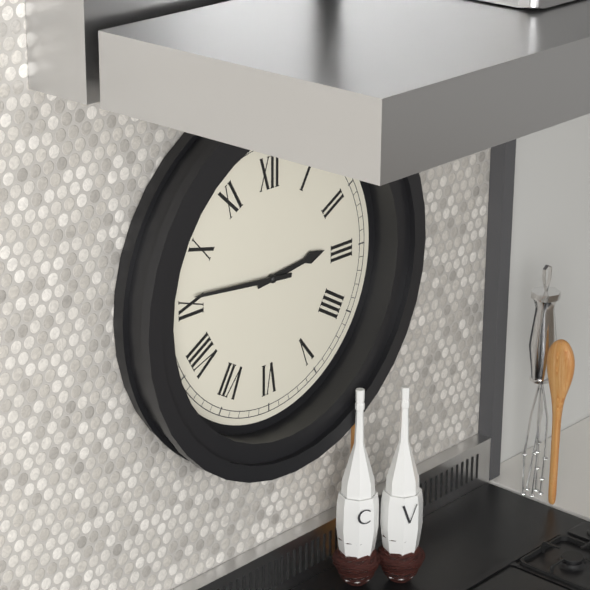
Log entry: 2:46
